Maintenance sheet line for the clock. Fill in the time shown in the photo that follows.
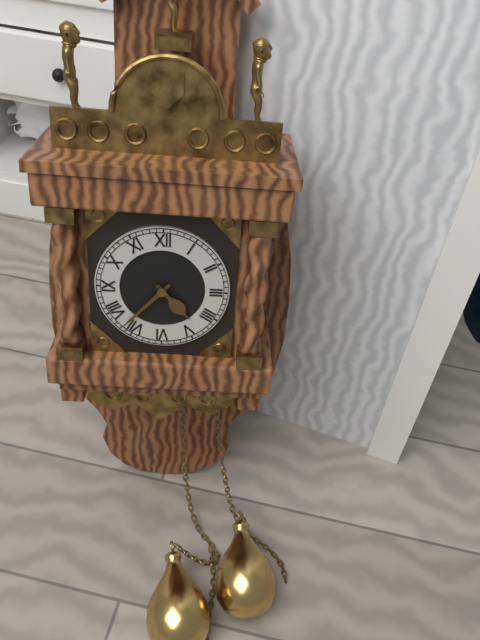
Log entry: 4:37
